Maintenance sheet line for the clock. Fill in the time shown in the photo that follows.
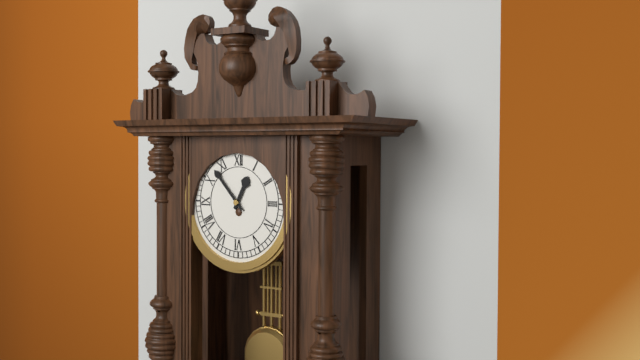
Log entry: 12:53
